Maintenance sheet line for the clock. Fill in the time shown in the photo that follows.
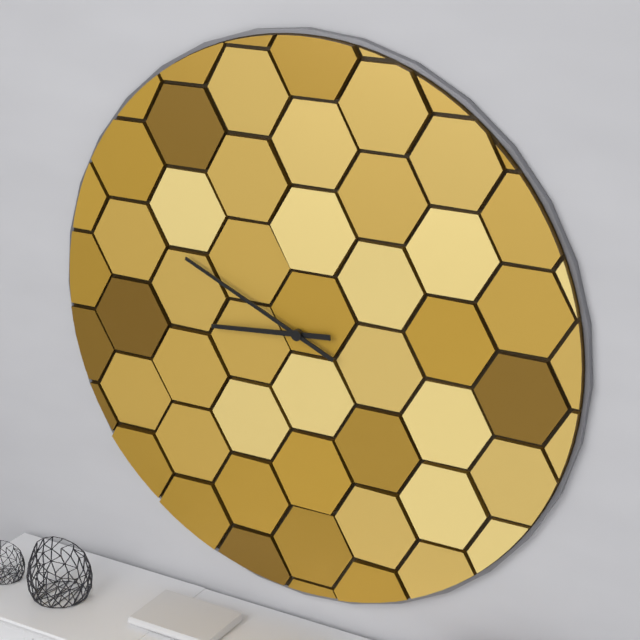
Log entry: 8:49
